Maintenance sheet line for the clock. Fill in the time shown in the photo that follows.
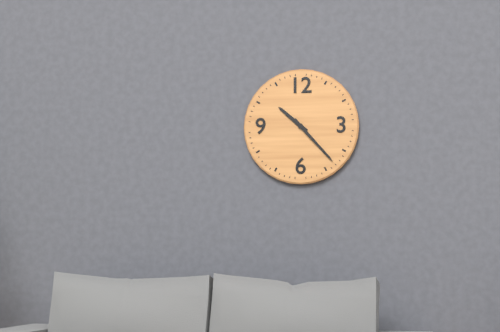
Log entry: 10:23
